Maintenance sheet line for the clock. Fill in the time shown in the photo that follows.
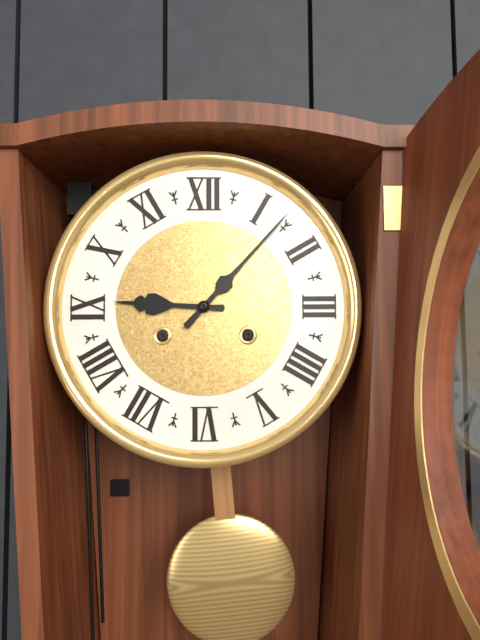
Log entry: 9:07
